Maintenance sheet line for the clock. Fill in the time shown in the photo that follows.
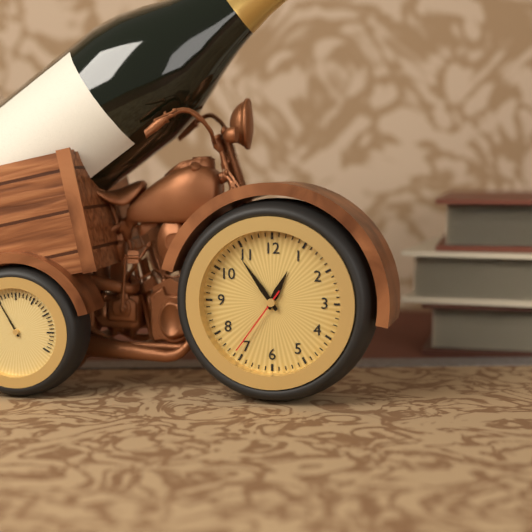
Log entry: 12:54:36
